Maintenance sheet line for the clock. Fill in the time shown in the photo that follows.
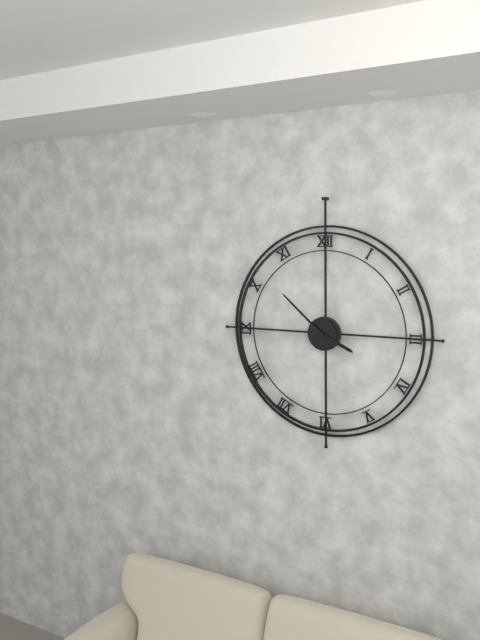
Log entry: 3:52
